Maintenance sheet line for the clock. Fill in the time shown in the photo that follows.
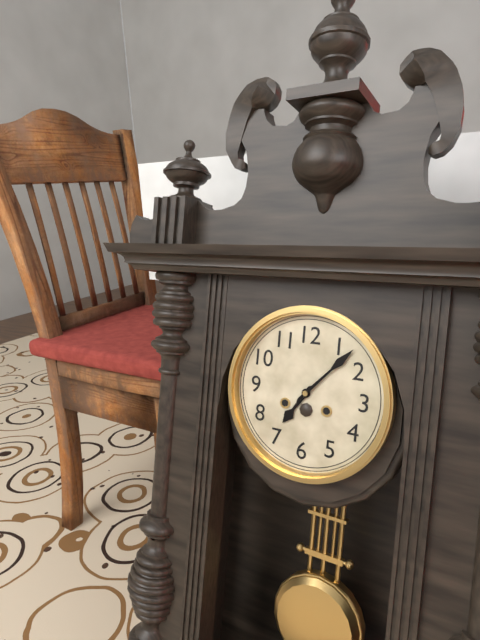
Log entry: 7:07
